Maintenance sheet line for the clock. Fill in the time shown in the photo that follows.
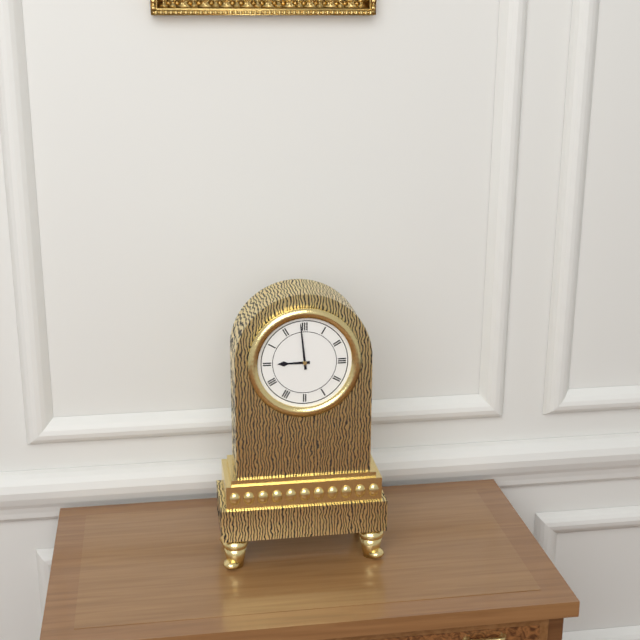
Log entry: 8:59
